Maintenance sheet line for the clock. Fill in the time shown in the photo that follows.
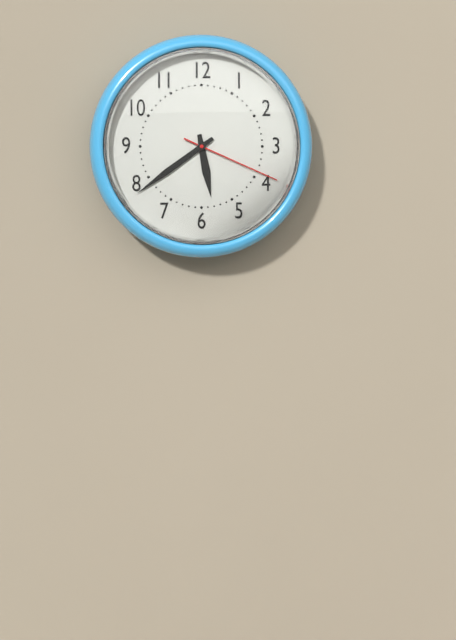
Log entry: 5:39:19
